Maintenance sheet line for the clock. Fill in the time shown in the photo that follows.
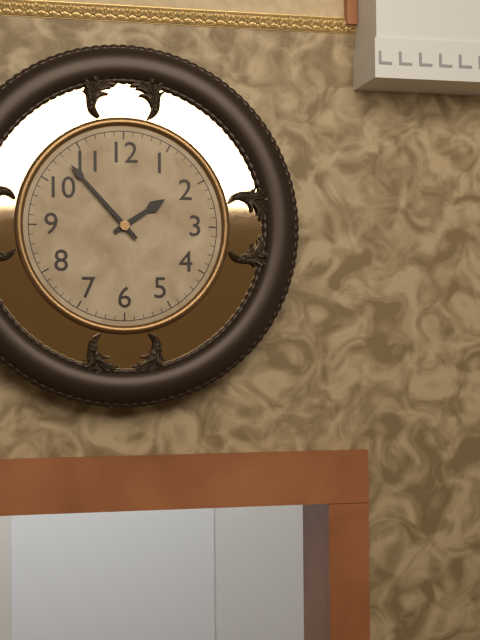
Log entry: 1:53
